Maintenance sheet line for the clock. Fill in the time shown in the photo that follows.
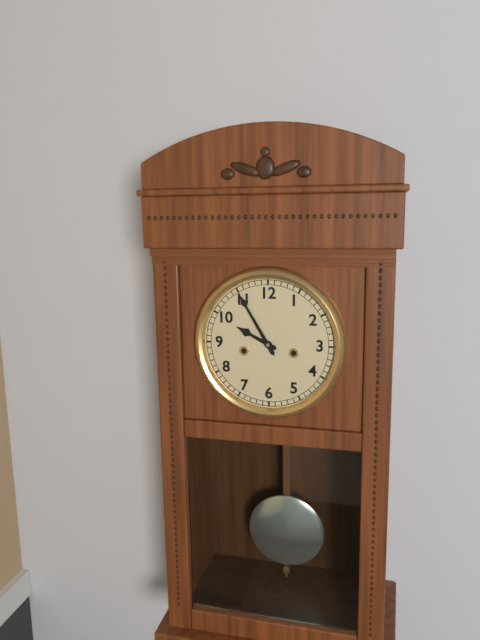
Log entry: 9:55
